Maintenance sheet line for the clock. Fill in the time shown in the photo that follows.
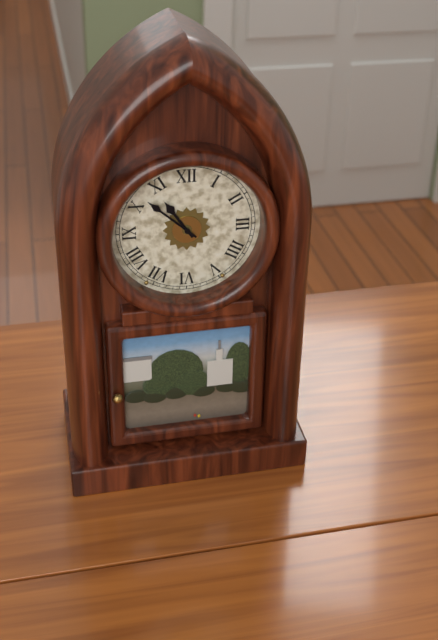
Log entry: 10:52
